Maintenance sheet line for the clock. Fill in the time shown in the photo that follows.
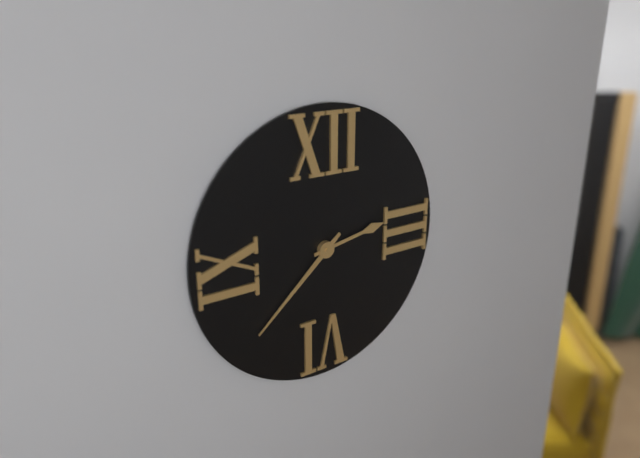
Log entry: 2:38
